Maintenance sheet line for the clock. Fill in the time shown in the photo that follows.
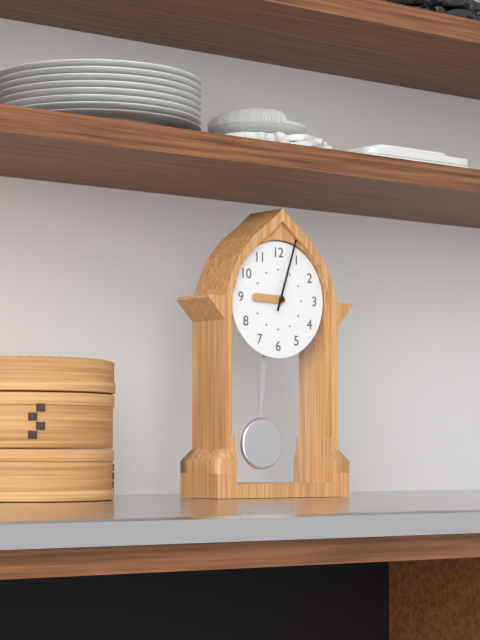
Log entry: 9:03
